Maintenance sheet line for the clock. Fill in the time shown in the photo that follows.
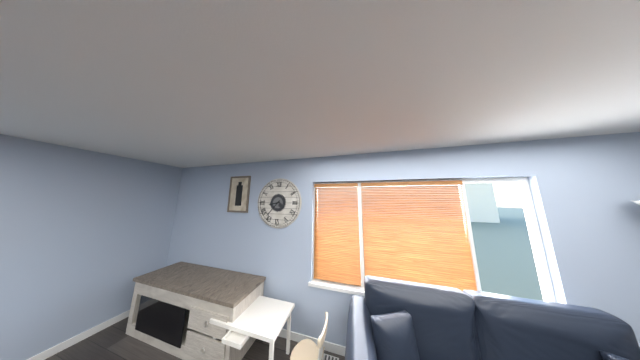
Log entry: 8:37
